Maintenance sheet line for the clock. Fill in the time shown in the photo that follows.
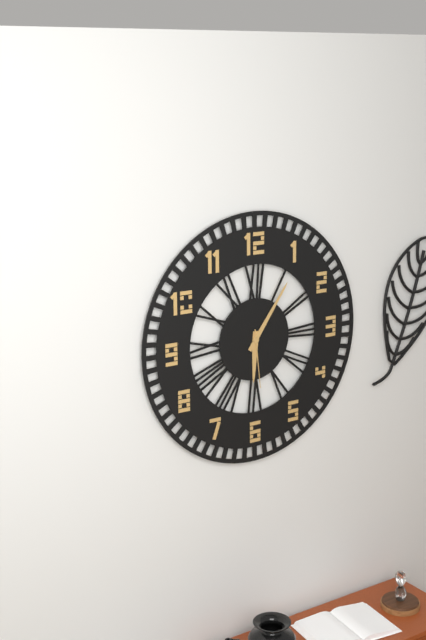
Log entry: 6:06:29
